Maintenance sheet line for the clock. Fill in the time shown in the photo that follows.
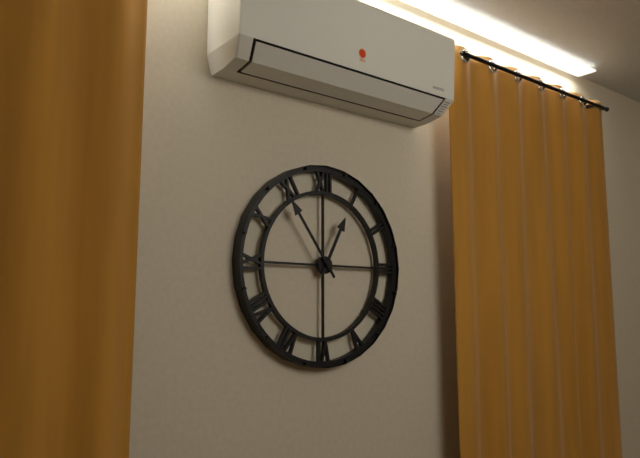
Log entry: 12:54
